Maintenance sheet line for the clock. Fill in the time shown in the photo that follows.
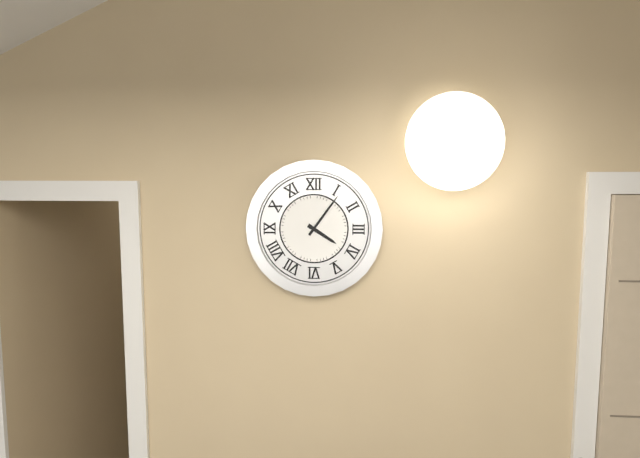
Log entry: 4:06
